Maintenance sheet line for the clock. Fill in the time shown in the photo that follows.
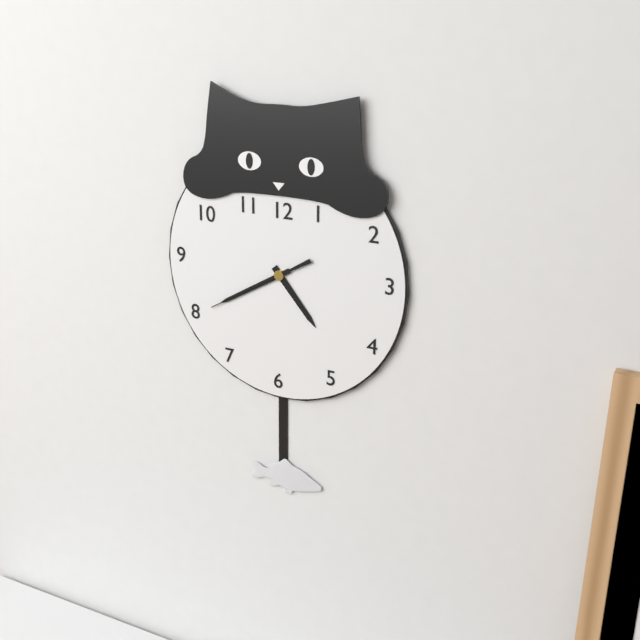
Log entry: 4:40:40
